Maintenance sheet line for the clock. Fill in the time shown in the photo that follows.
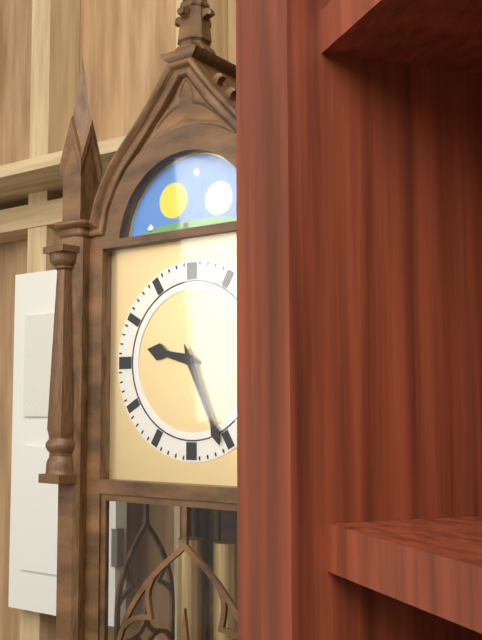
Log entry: 9:26
